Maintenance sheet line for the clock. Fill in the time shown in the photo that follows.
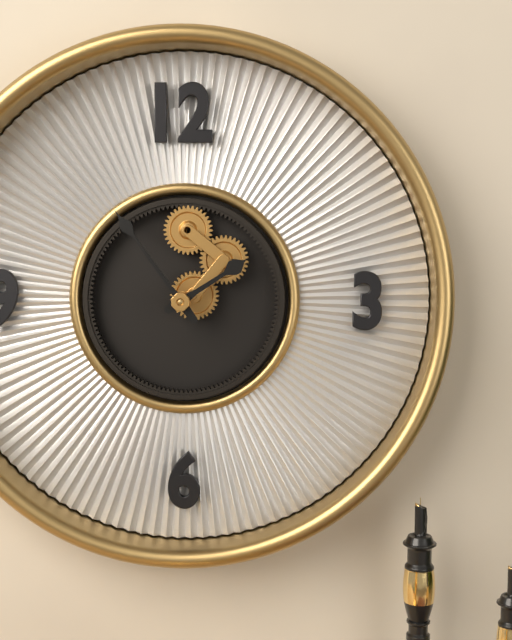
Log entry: 1:54
